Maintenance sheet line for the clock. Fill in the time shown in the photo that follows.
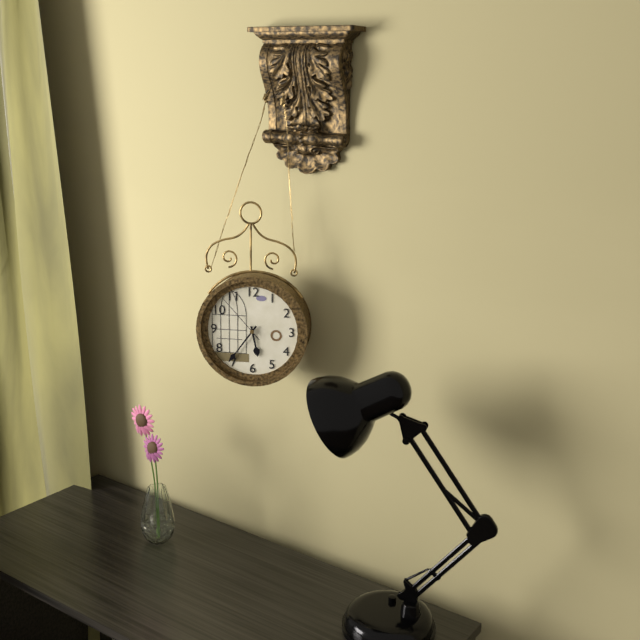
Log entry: 5:36:53
